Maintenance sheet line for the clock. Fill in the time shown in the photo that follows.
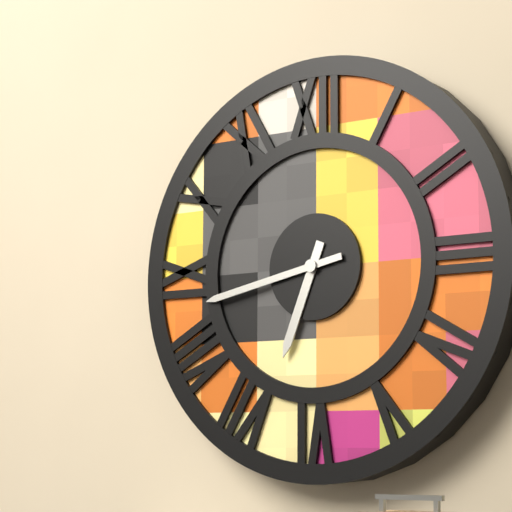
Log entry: 6:43
